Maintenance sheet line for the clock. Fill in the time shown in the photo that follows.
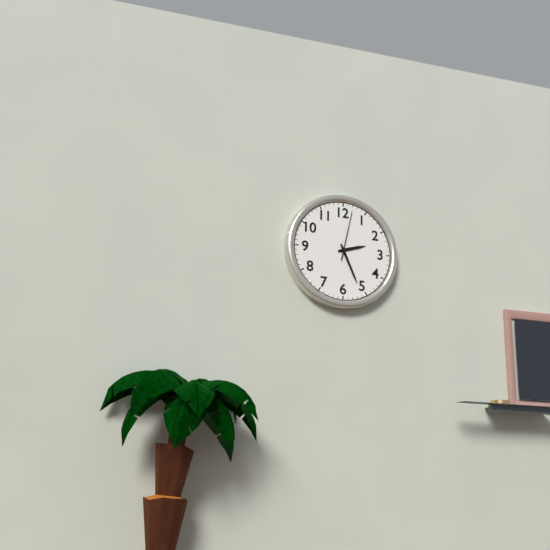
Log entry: 2:26
